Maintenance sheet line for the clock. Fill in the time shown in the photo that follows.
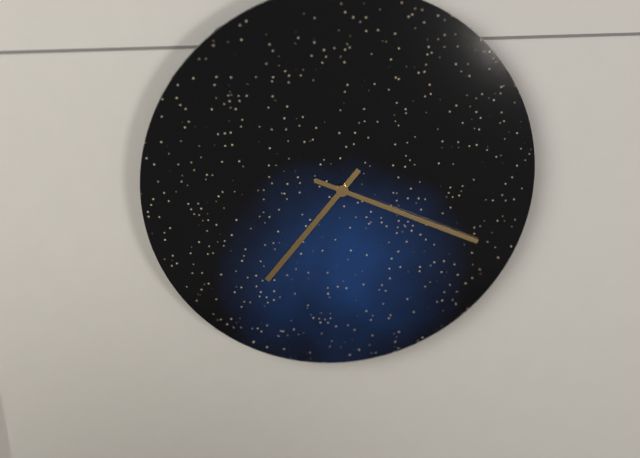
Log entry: 7:19
